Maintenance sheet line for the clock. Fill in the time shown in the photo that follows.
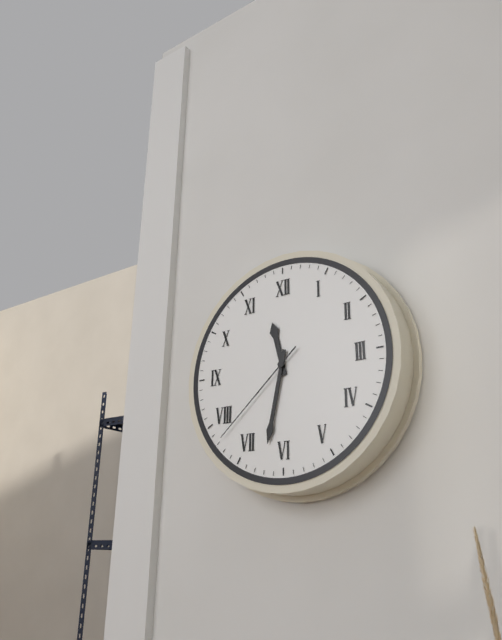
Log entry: 11:32:38
